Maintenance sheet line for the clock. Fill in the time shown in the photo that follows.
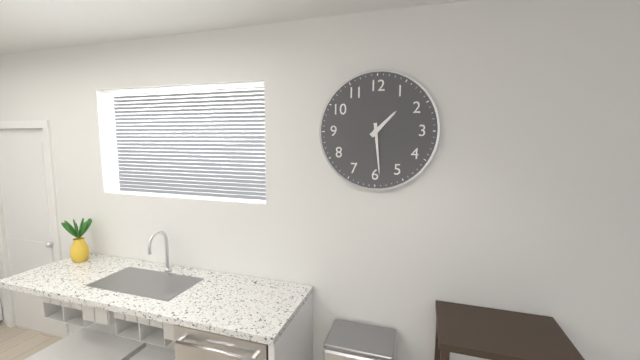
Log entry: 1:29
